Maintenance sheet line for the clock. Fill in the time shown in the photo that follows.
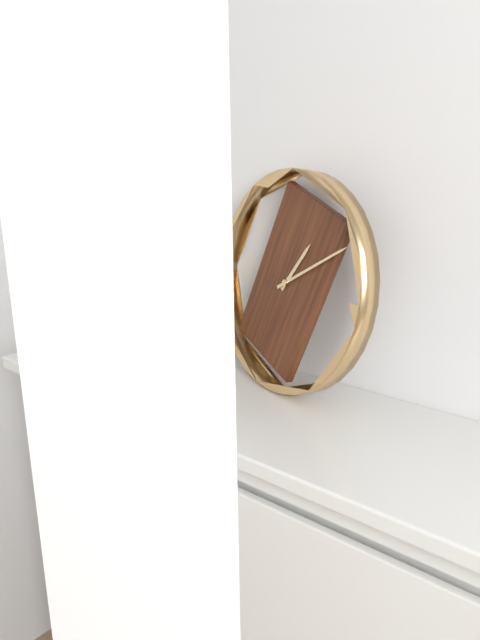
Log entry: 1:10
